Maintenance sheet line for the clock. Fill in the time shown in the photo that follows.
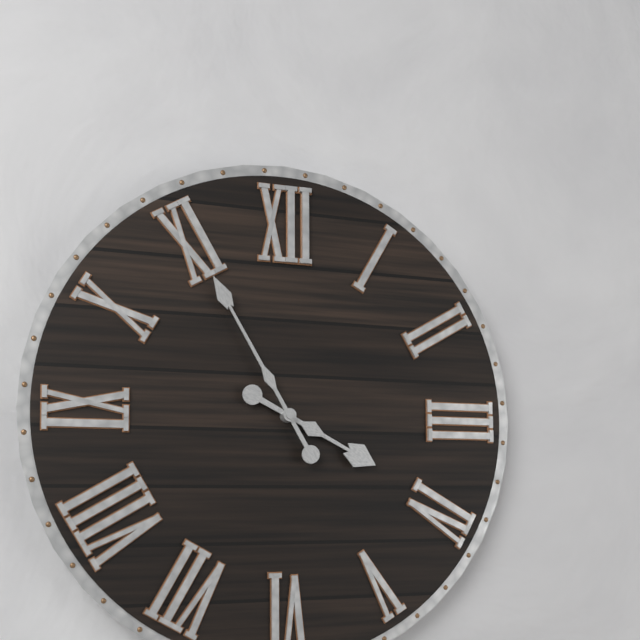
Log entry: 3:55
